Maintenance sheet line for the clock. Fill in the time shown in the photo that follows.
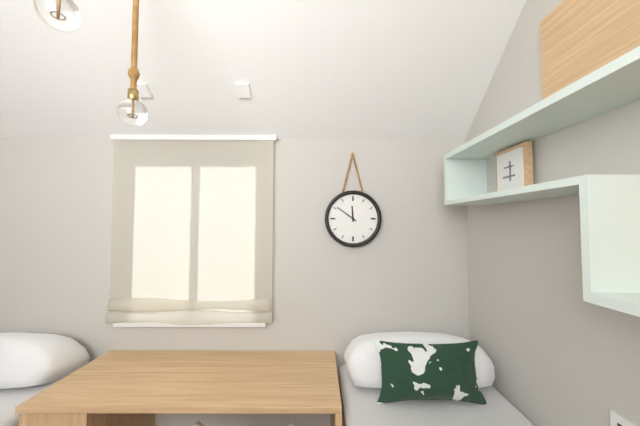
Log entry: 11:51
